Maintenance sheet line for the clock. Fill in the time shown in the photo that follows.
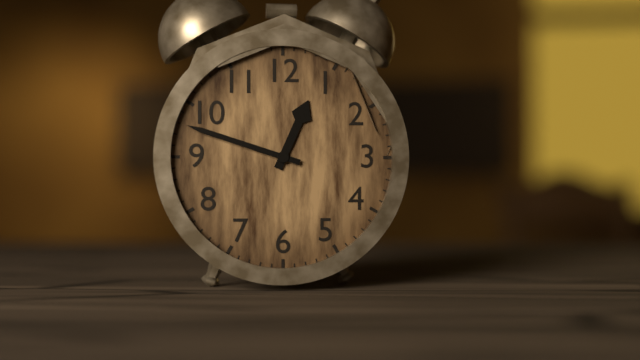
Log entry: 12:48
